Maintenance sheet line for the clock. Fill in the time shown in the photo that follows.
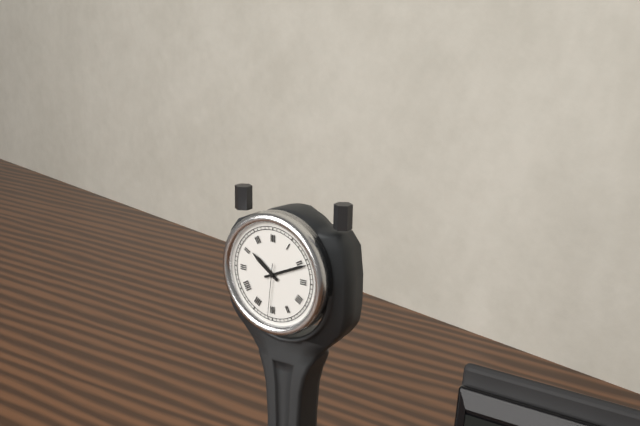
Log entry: 10:11:31
